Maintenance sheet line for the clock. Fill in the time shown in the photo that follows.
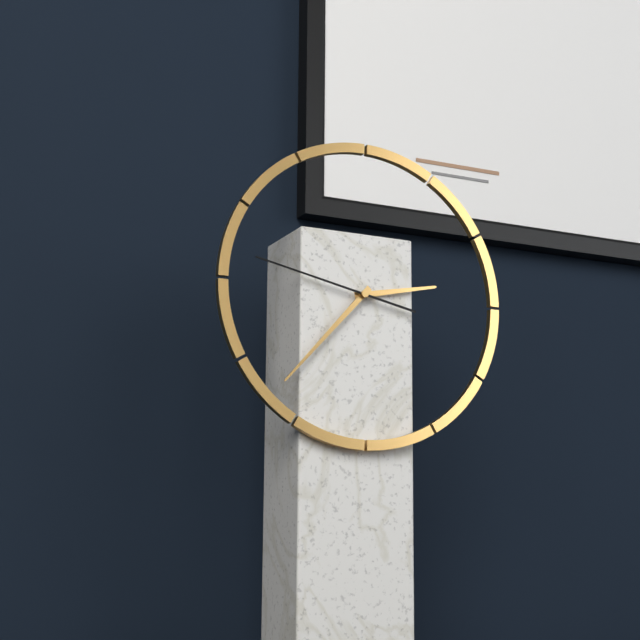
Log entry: 2:37:47
